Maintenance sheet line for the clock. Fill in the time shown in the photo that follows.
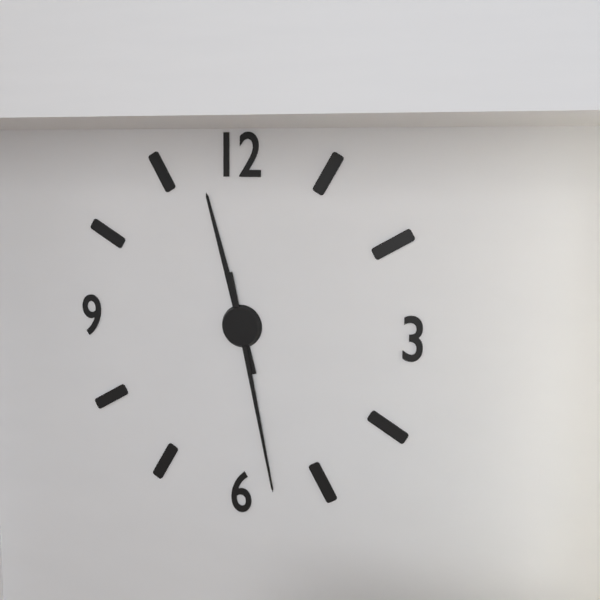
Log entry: 11:28
